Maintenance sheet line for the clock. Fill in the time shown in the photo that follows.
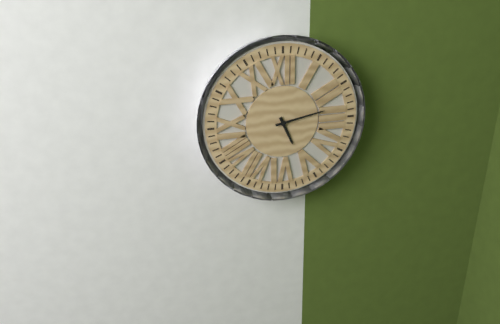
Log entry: 5:13
